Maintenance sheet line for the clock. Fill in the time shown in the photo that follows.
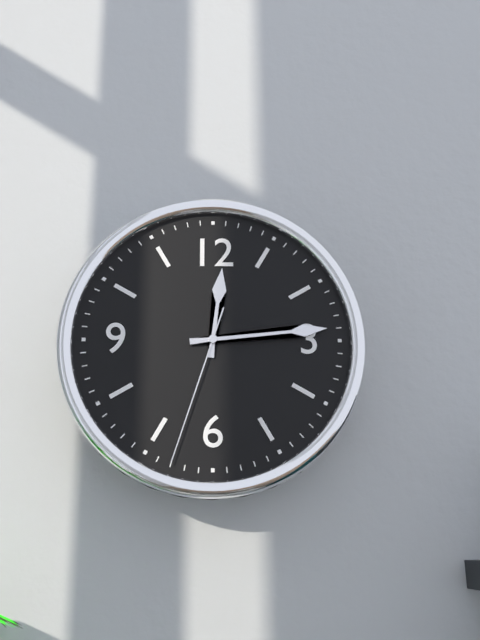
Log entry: 12:14:33
